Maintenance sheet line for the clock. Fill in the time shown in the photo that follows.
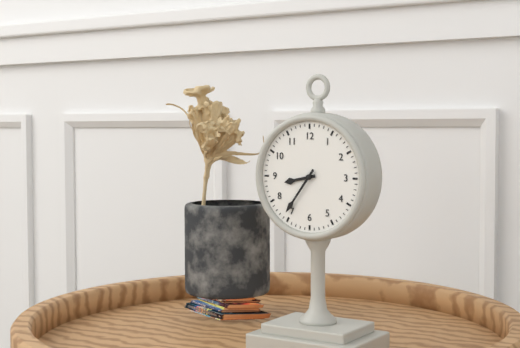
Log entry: 8:36
